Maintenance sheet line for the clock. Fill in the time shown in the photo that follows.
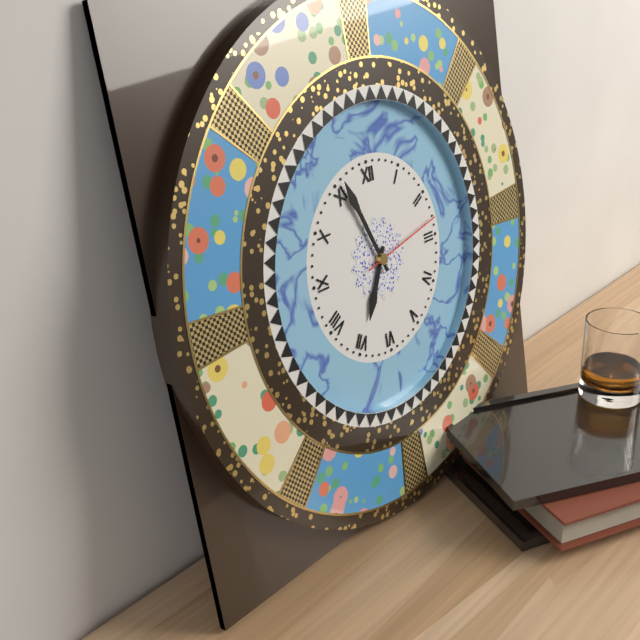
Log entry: 6:56:13
